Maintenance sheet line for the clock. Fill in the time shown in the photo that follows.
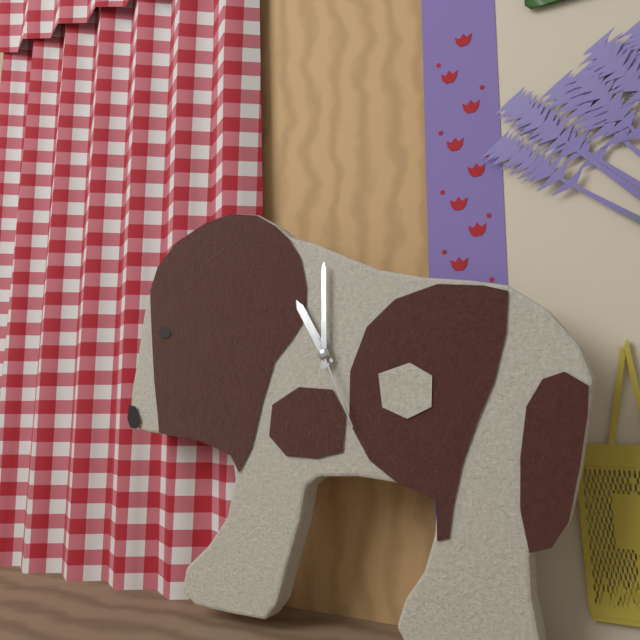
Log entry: 11:00:26
